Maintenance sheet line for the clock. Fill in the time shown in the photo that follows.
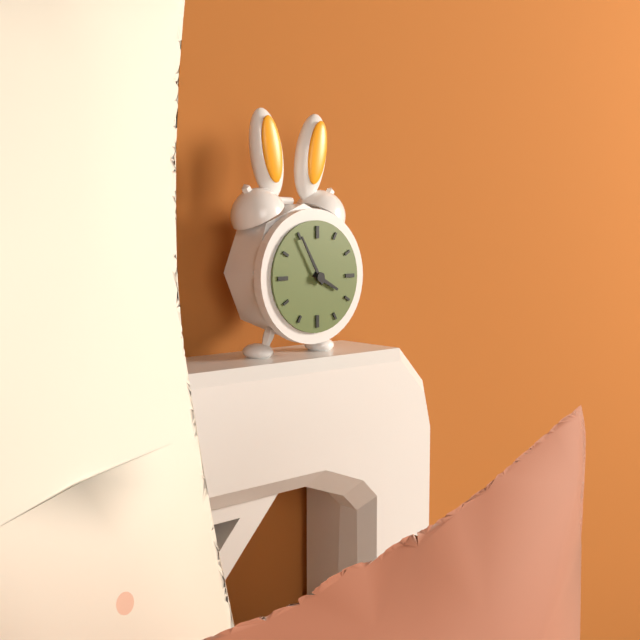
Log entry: 3:55
